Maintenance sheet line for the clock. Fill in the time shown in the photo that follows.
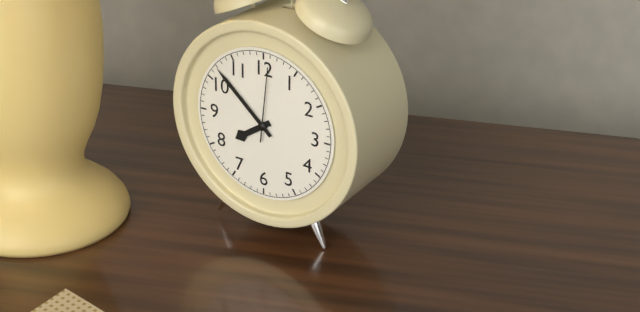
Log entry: 7:52:01
